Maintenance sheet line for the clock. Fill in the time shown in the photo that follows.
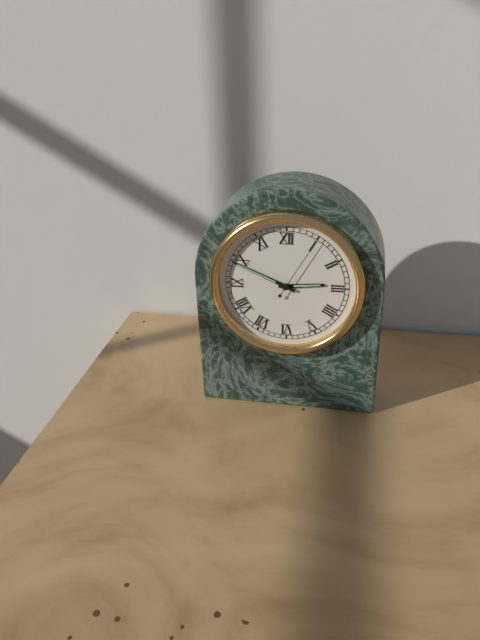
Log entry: 2:49:05
